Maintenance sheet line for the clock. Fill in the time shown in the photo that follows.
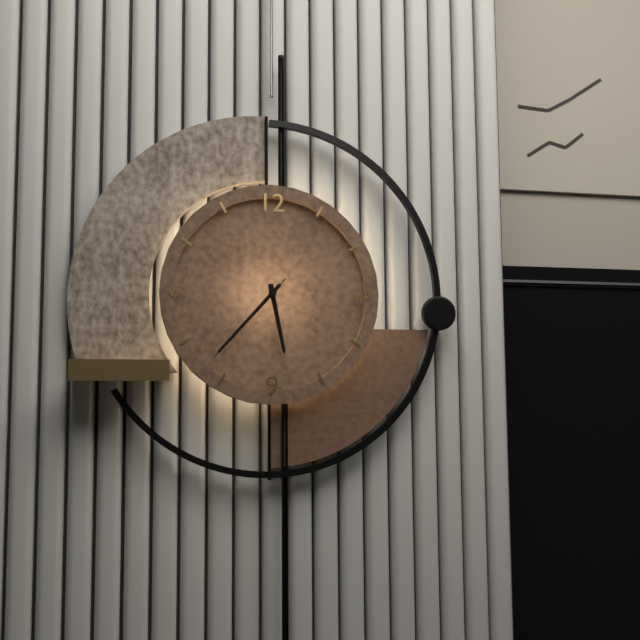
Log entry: 5:37:37
